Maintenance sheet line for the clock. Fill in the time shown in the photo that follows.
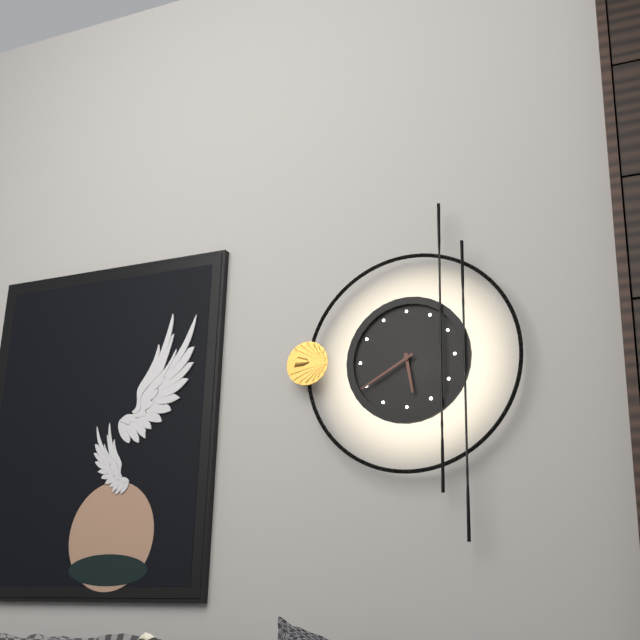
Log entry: 5:40
